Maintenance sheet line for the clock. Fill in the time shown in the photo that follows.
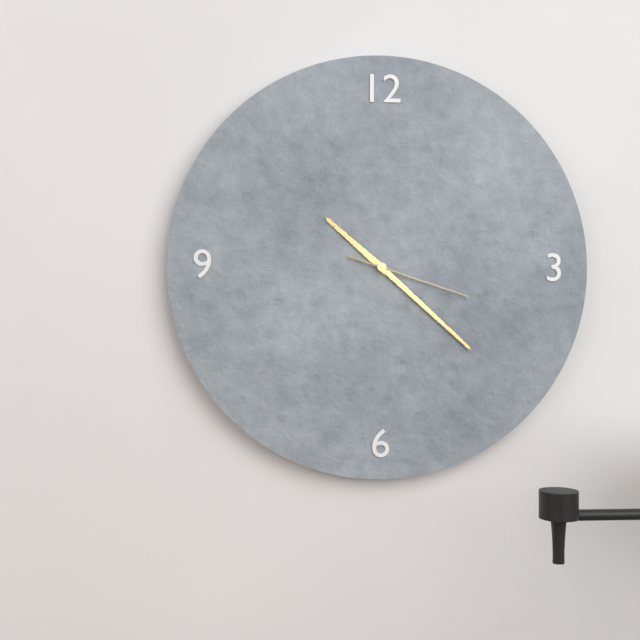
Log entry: 10:22:18
